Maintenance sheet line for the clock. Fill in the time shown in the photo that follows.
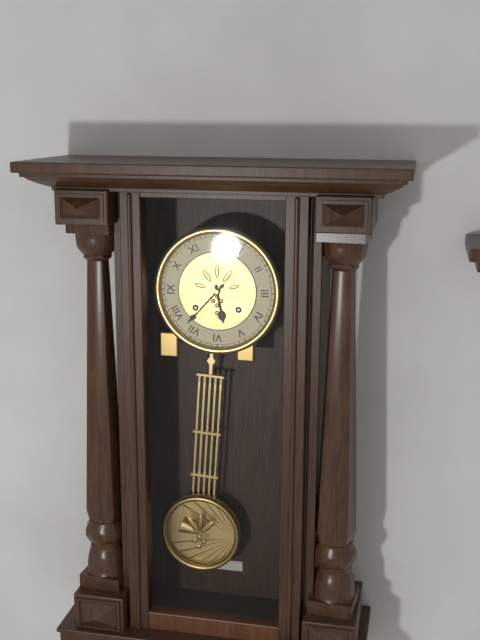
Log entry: 5:37
